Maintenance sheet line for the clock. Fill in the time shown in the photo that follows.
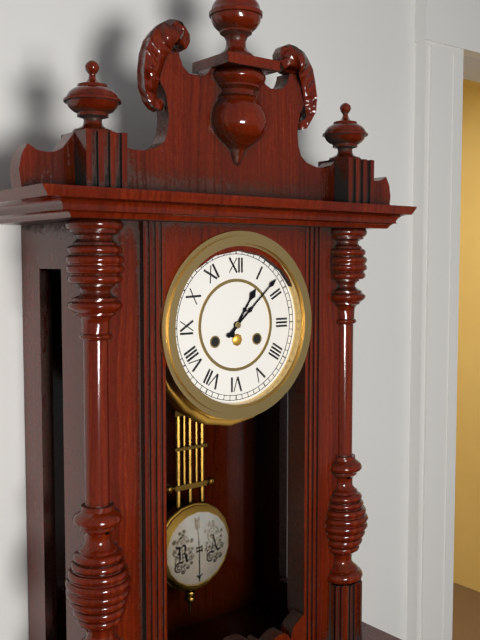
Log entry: 1:08
